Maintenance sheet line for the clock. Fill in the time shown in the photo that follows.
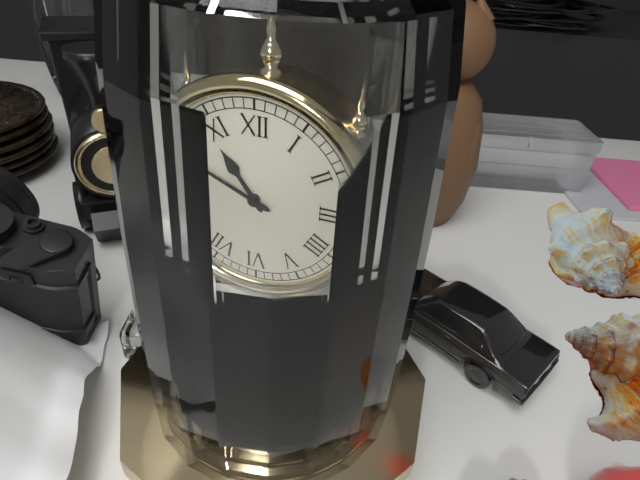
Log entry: 10:49
